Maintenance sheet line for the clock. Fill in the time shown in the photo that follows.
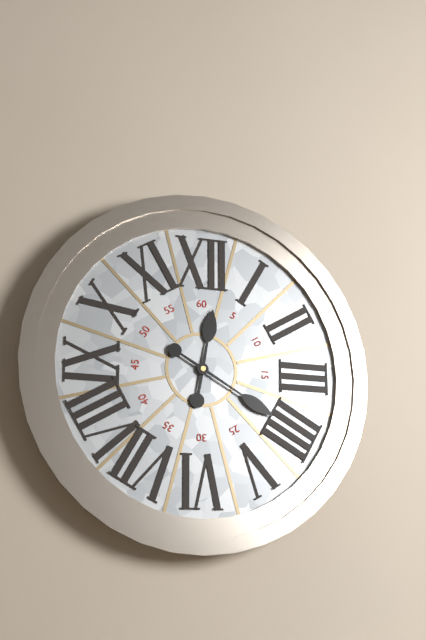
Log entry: 12:20
